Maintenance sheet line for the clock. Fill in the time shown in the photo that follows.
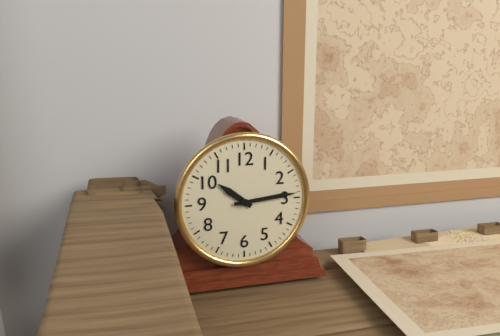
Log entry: 10:14
